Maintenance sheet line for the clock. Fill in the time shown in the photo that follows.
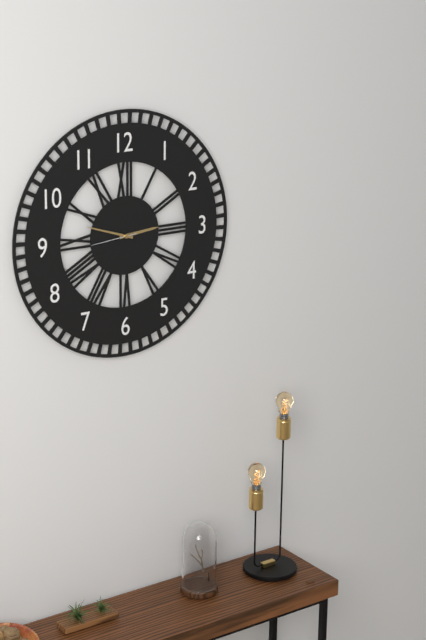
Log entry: 2:48
